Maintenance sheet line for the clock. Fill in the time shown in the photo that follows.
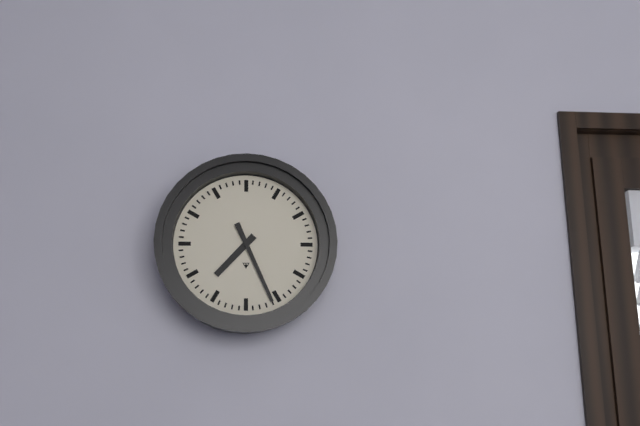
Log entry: 7:26
